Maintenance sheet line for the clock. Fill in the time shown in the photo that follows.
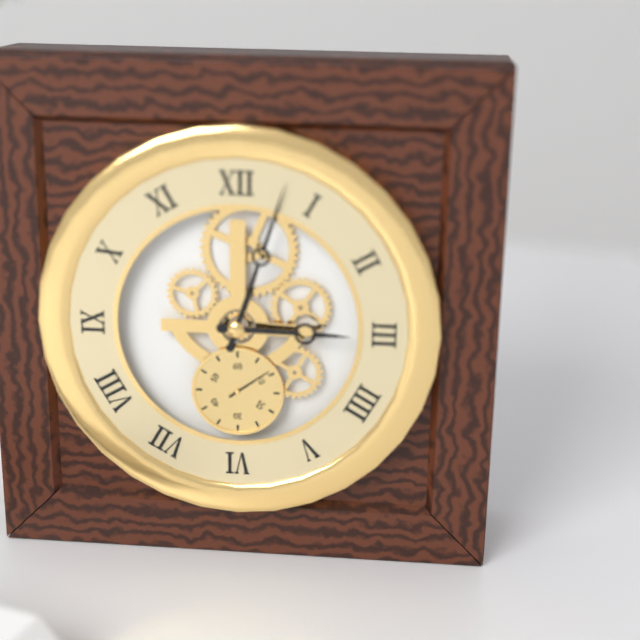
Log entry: 3:03
